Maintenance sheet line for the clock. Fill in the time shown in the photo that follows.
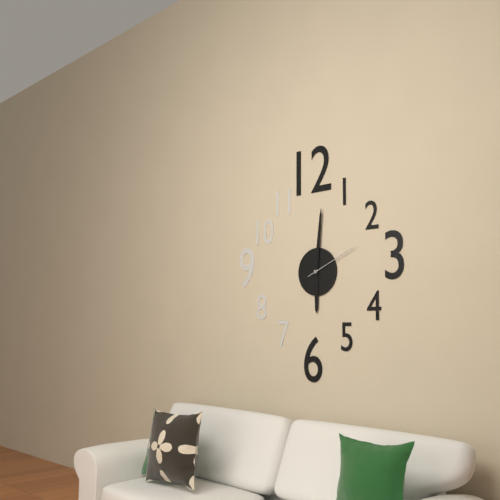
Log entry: 6:01:11
